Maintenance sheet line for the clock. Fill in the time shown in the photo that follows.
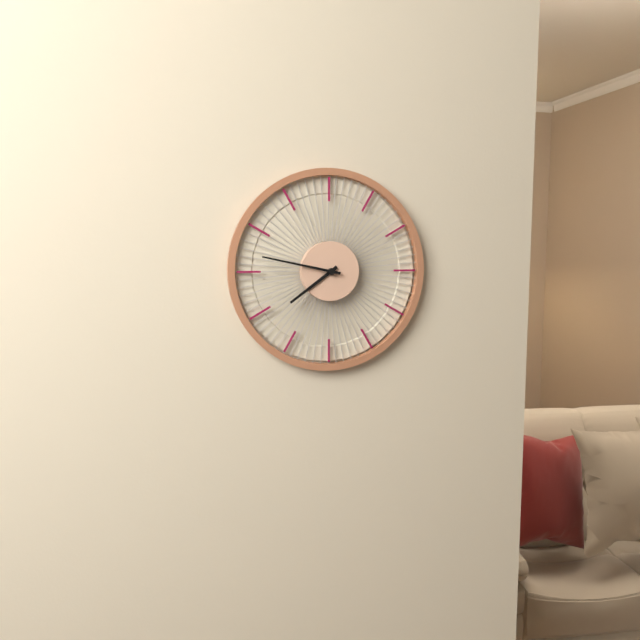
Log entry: 7:47
